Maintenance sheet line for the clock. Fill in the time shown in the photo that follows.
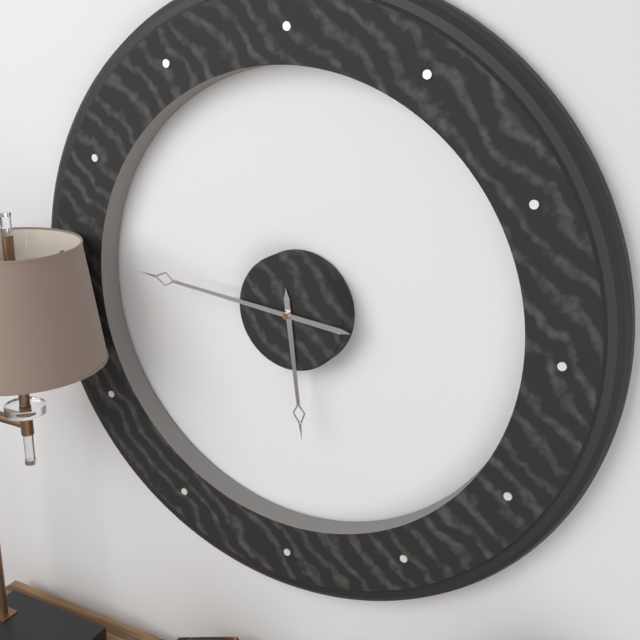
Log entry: 5:46
